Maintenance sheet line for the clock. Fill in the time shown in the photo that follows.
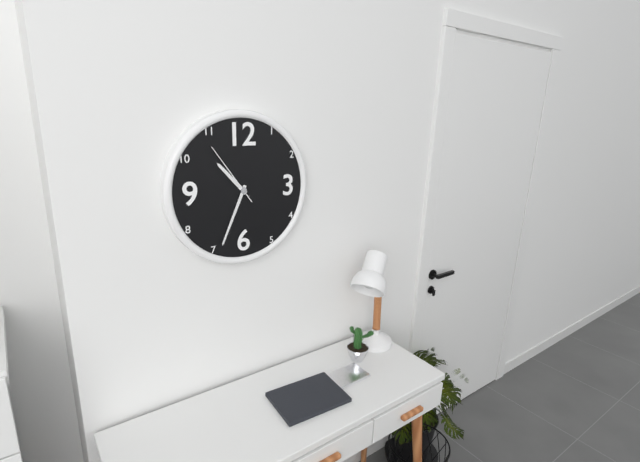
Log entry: 10:34:54
